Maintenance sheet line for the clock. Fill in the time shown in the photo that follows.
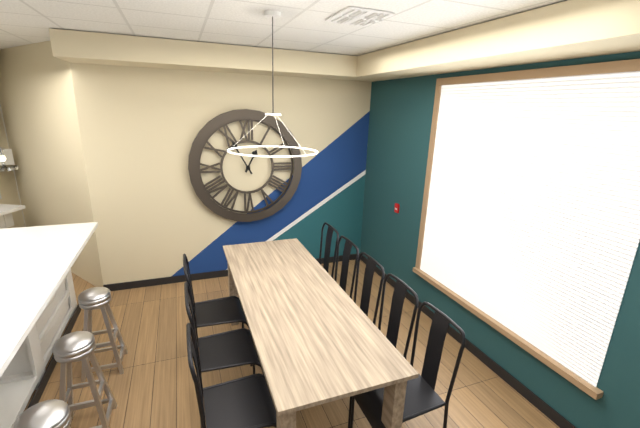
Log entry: 12:55
